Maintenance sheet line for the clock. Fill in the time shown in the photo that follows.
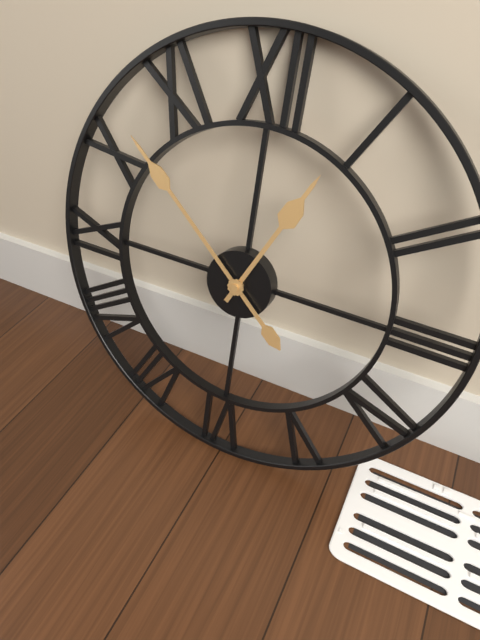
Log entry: 12:52
